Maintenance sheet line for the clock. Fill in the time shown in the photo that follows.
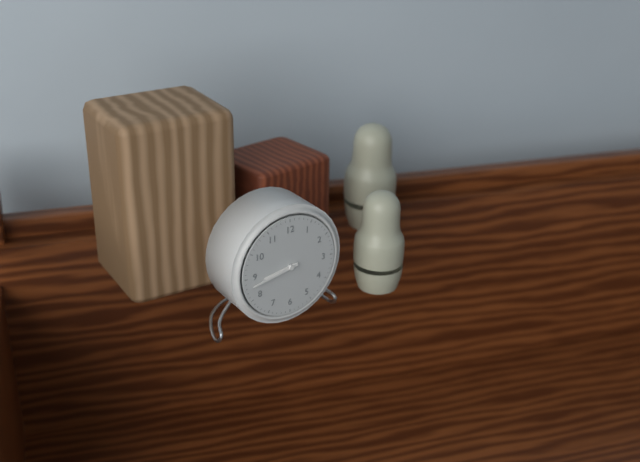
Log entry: 8:43
